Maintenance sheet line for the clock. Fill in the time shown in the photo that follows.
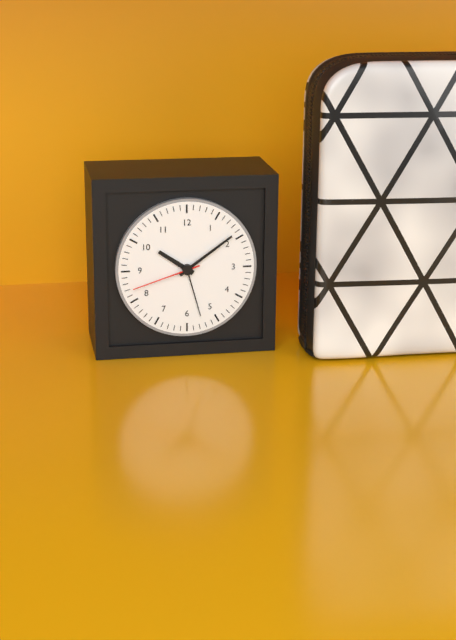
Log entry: 10:09:42
